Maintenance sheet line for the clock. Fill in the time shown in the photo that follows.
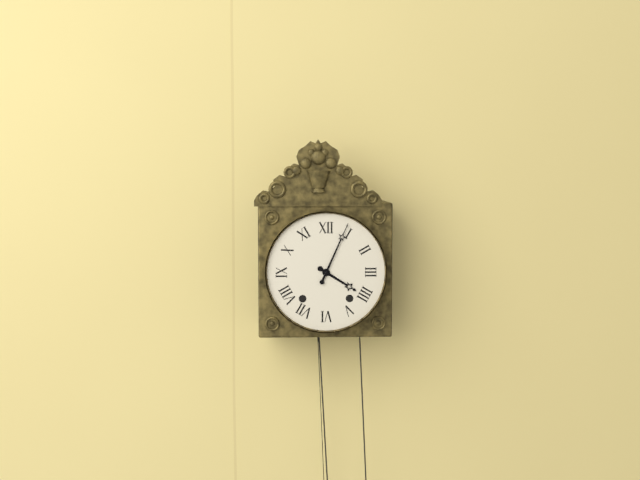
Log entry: 4:04
